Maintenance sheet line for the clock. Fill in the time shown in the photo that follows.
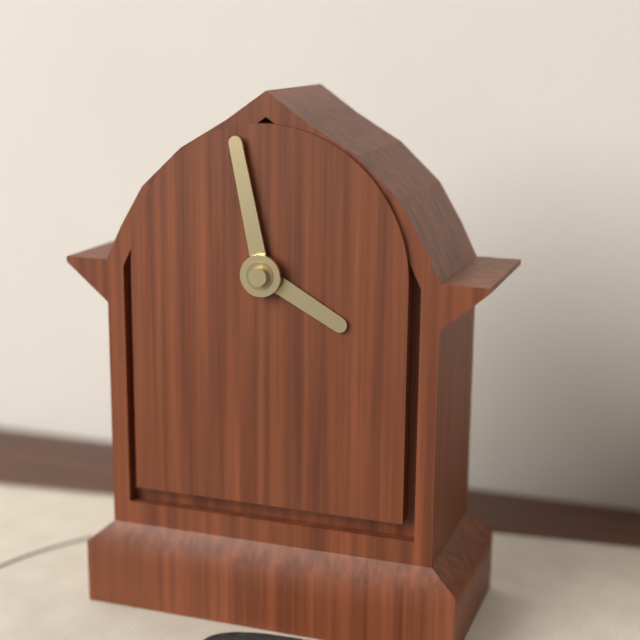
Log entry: 3:58
